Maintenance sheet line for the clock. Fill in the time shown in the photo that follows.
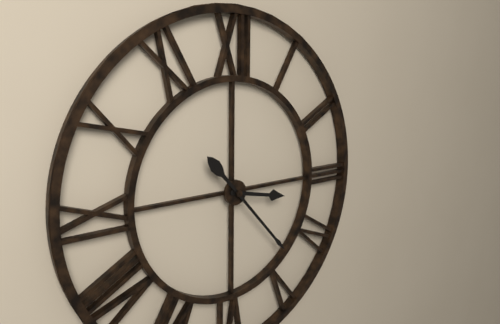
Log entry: 3:23
